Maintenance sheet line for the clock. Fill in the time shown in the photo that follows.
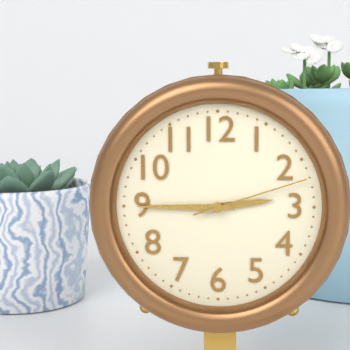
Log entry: 2:45:12
